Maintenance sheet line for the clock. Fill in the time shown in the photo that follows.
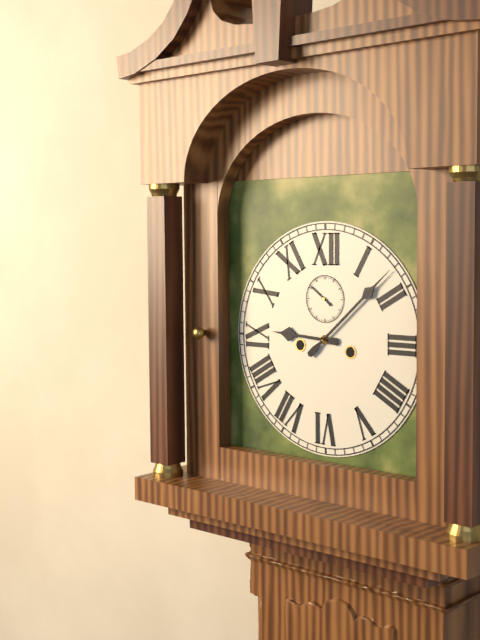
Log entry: 9:08
